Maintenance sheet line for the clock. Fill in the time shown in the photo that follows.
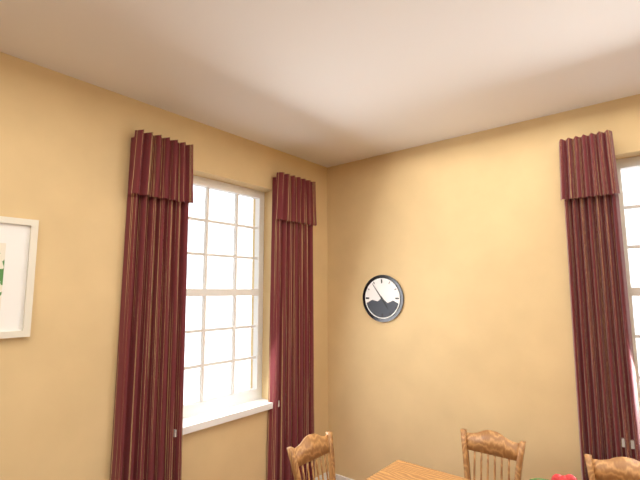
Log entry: 4:54
